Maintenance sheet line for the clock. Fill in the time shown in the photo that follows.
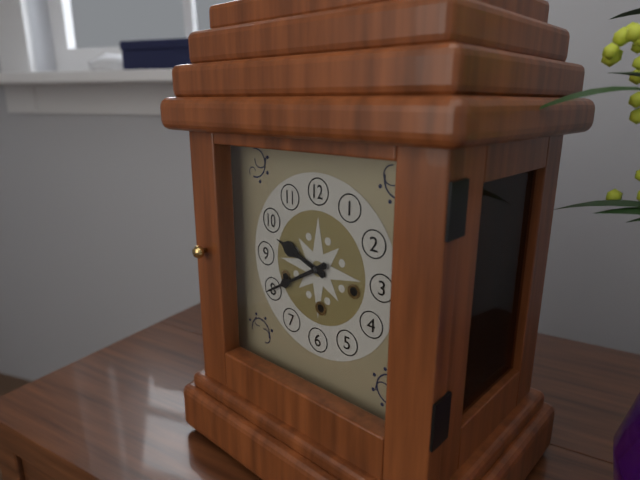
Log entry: 9:40
